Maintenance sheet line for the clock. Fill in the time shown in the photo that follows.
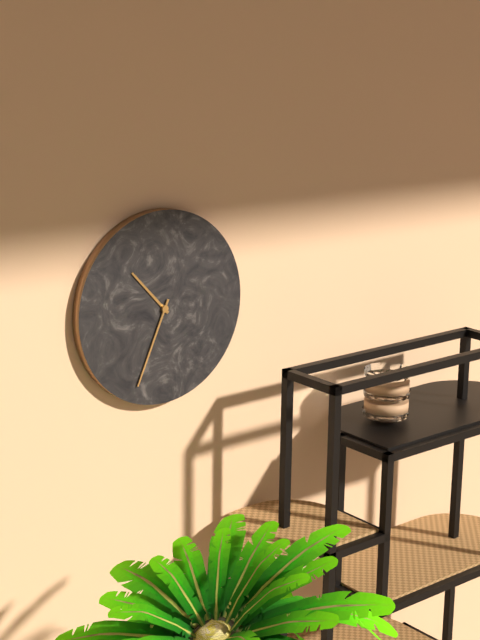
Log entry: 10:34
